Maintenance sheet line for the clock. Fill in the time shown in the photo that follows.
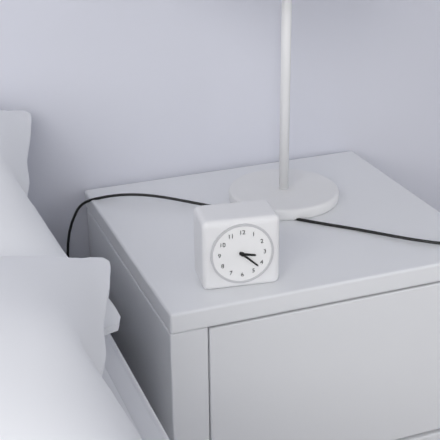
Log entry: 3:22
